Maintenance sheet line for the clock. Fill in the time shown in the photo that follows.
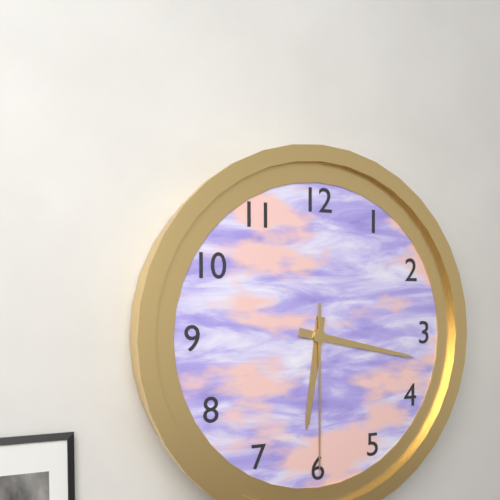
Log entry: 6:17:30
